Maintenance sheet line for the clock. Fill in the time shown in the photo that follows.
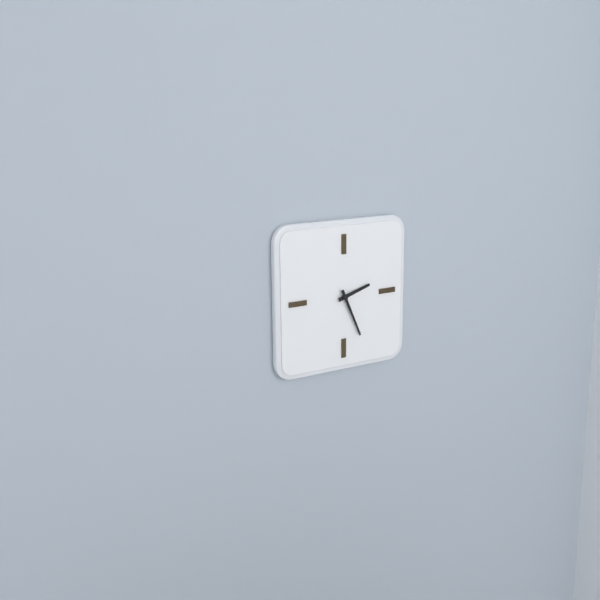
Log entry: 2:26
